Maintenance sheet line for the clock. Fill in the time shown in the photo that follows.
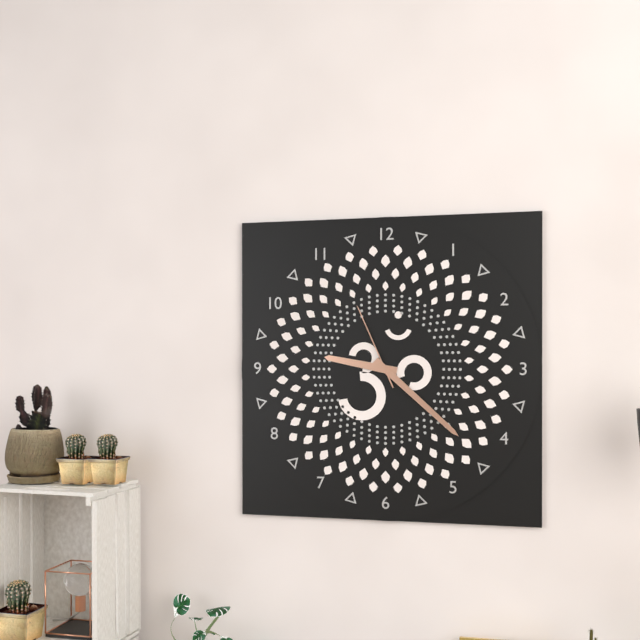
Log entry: 9:22:56
